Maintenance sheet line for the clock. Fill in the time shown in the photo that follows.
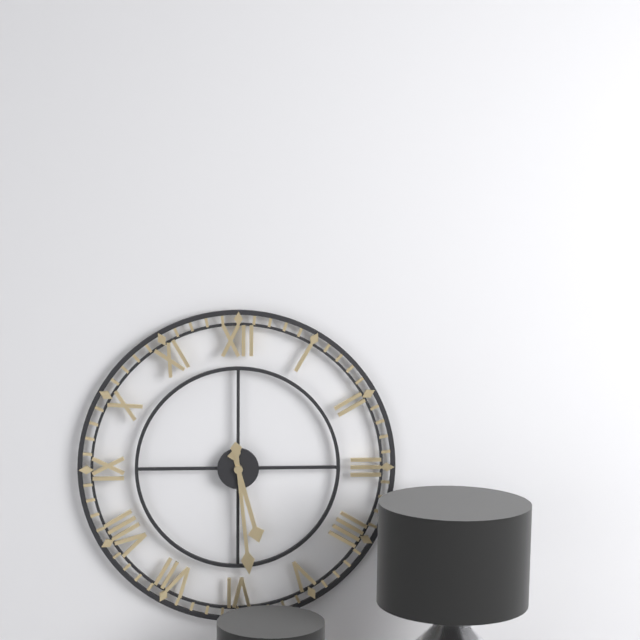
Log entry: 5:29
